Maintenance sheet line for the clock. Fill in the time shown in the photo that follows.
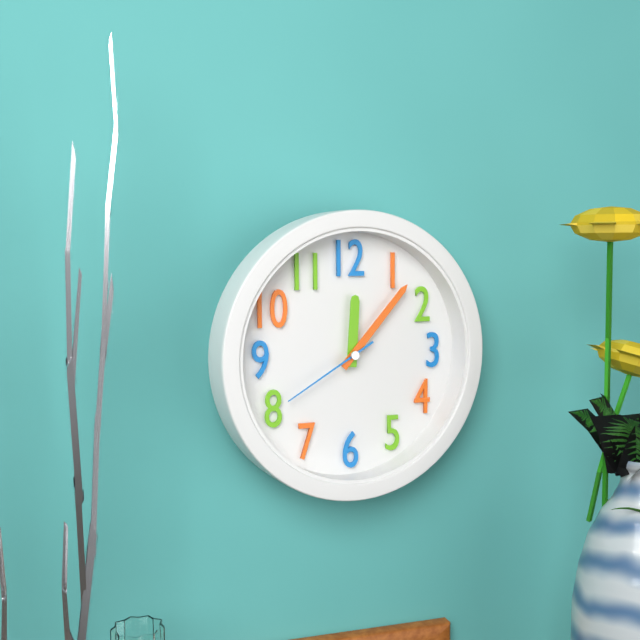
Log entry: 12:07:40
